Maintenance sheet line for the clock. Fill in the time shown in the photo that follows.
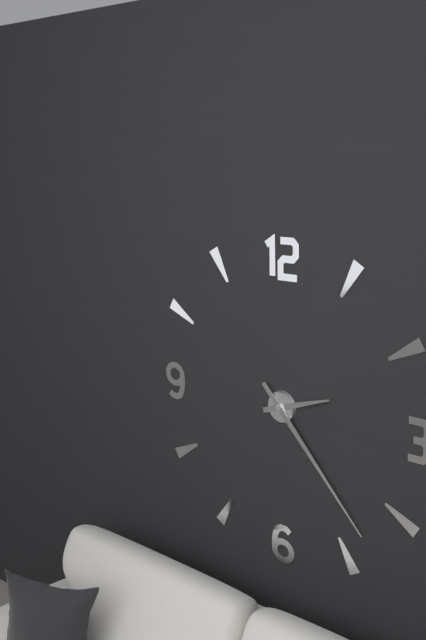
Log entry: 2:23
